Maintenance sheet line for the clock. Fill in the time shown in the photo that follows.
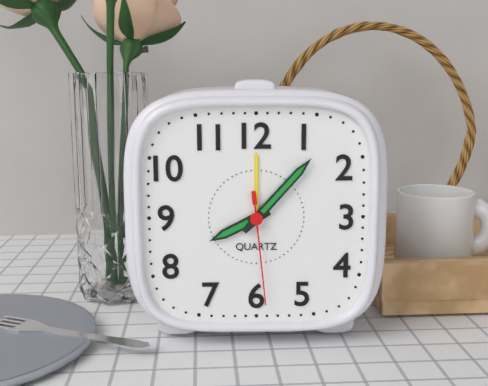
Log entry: 8:07:29
